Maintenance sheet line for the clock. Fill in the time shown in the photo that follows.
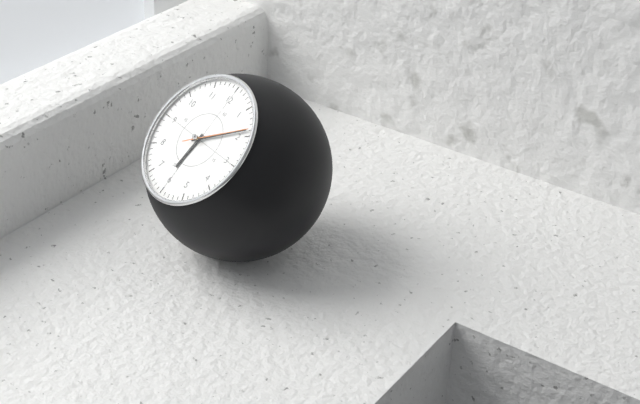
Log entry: 6:09:09
